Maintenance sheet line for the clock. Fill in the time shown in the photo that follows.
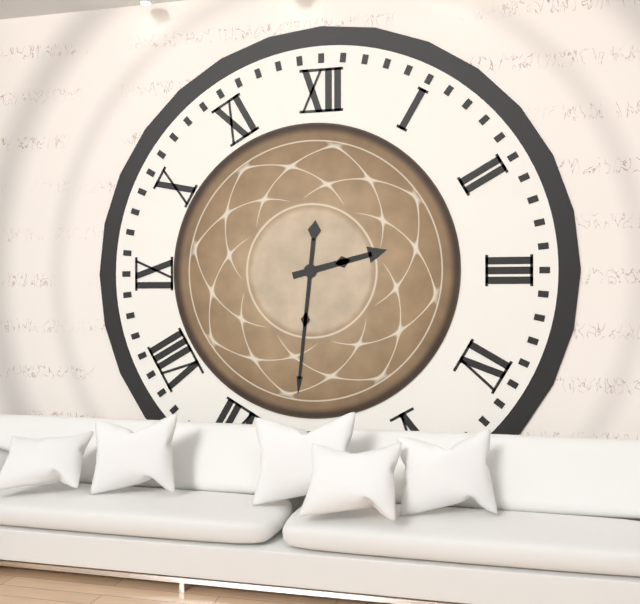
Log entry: 2:31
